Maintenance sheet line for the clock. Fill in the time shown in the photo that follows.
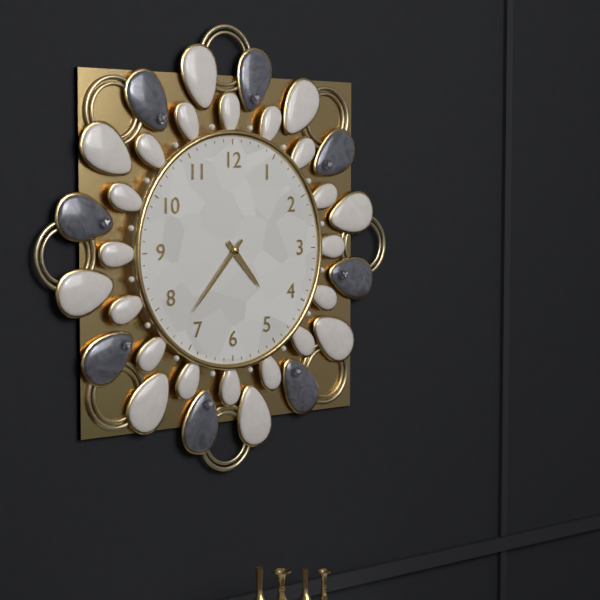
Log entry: 4:37
